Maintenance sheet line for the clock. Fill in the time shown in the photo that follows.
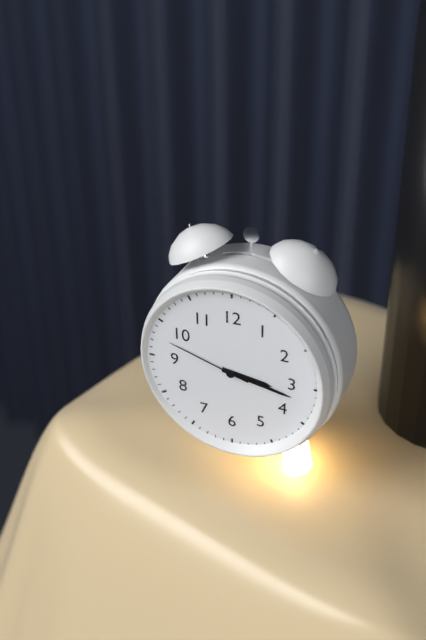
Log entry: 3:17:48
